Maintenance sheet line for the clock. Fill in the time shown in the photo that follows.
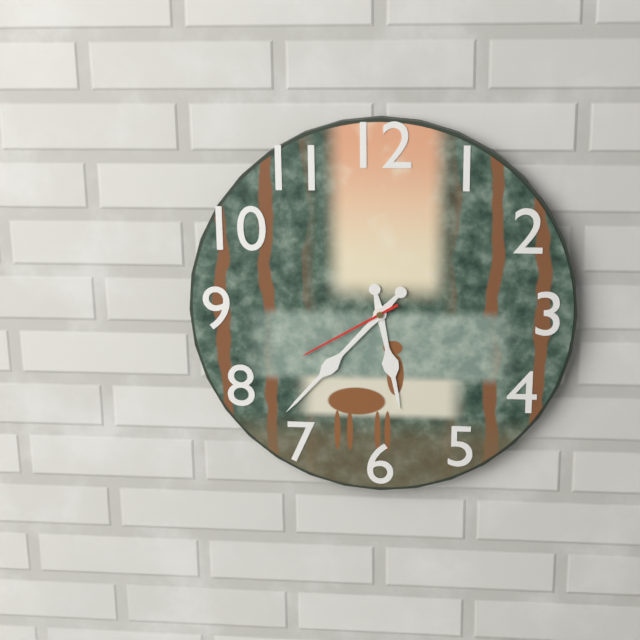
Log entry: 5:37:40
